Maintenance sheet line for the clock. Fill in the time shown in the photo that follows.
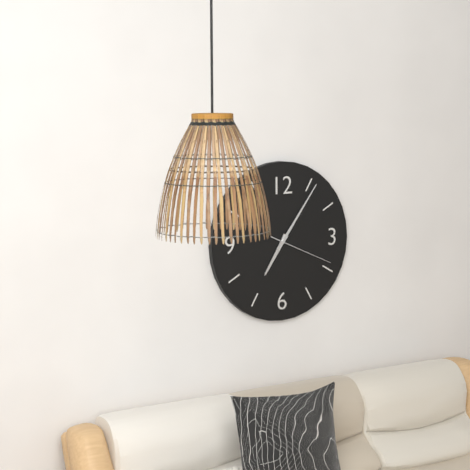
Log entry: 7:06:19
